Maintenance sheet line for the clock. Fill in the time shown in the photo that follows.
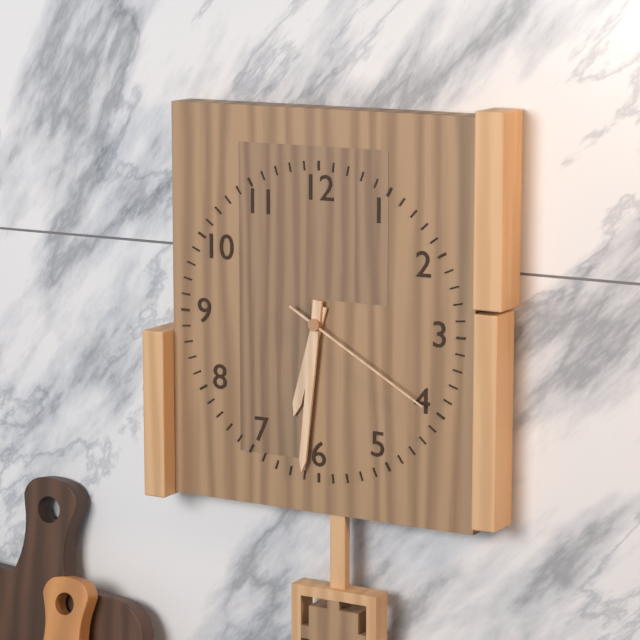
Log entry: 6:31:20
